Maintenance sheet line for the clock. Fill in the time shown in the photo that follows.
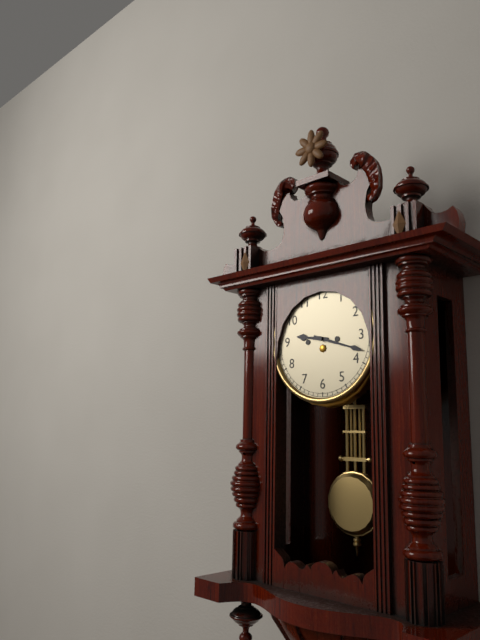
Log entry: 9:18
